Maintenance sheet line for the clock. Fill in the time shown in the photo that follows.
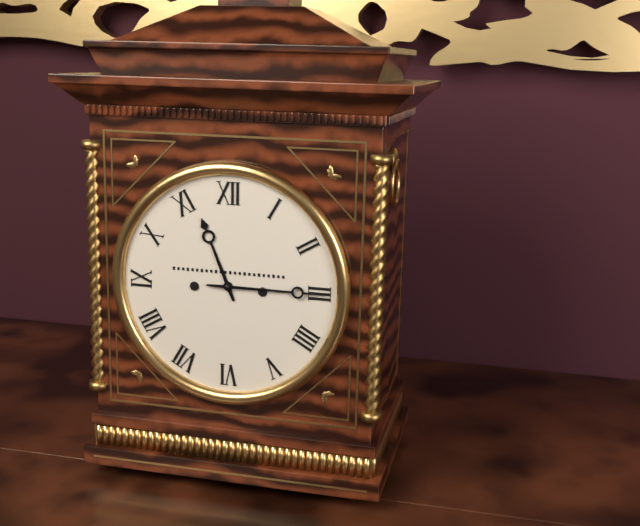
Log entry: 11:15
